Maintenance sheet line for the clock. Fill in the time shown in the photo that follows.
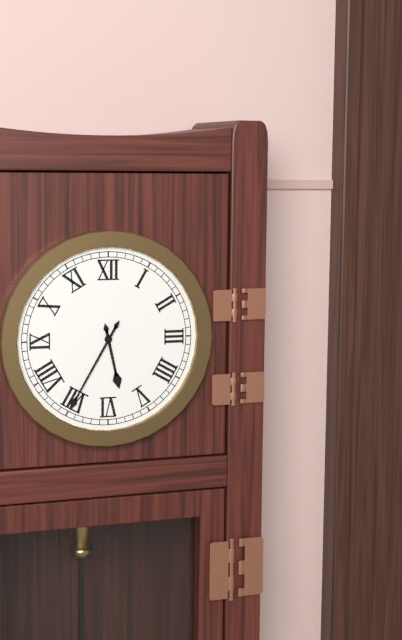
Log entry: 5:35
